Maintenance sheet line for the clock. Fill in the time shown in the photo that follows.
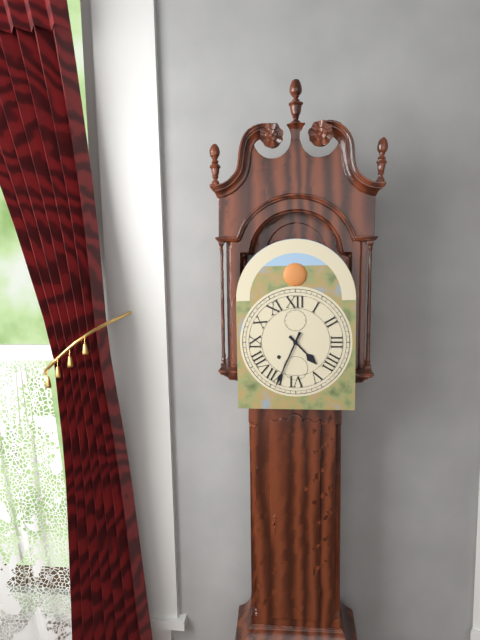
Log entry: 4:34
